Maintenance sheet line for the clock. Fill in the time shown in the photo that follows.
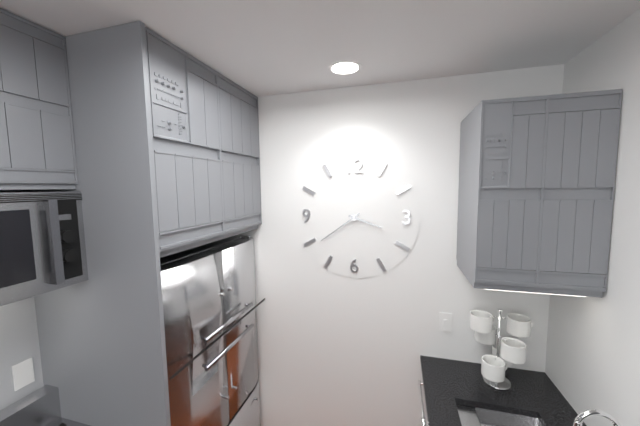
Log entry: 3:39
